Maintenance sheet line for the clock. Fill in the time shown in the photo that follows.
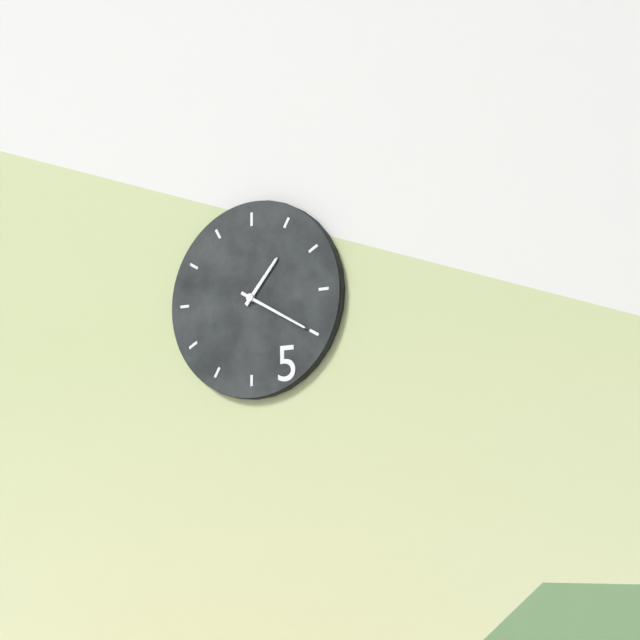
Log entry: 1:20
